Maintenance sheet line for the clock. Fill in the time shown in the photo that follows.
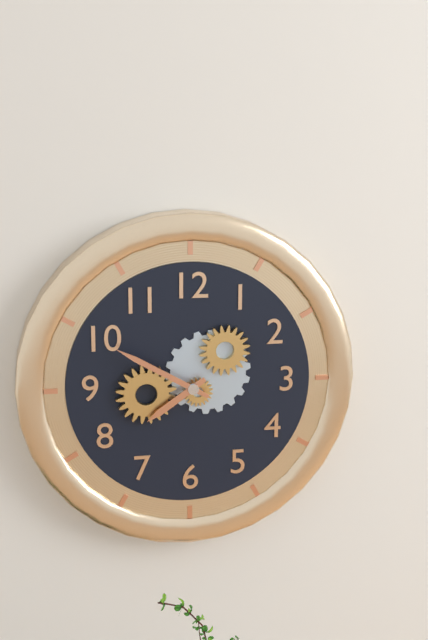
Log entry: 7:50
